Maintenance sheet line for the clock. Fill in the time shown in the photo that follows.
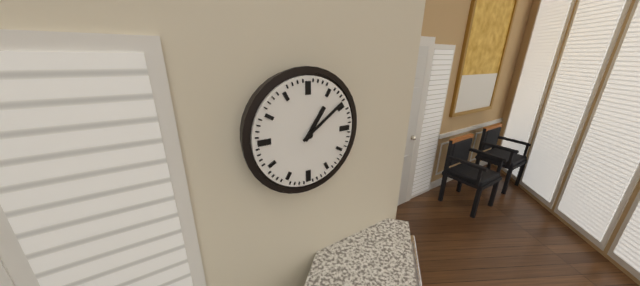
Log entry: 1:09
